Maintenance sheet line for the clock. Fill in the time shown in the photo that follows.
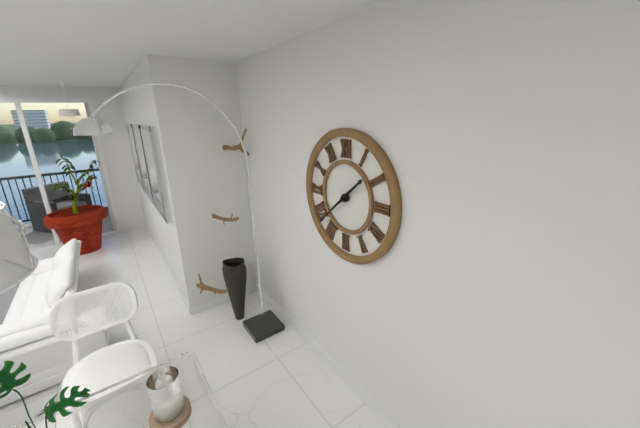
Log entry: 1:38
